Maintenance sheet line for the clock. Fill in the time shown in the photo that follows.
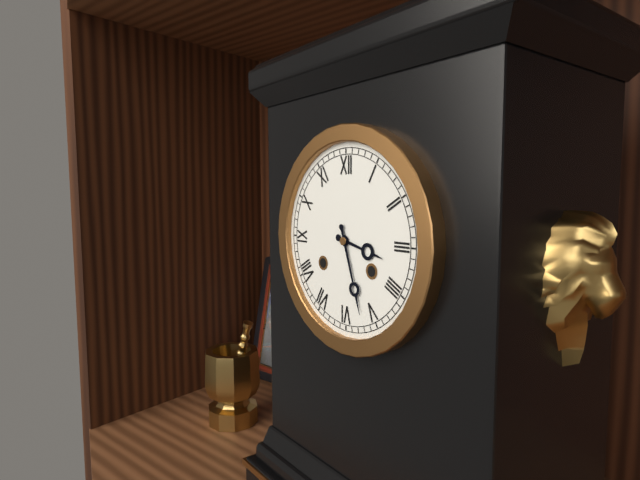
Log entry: 3:27
